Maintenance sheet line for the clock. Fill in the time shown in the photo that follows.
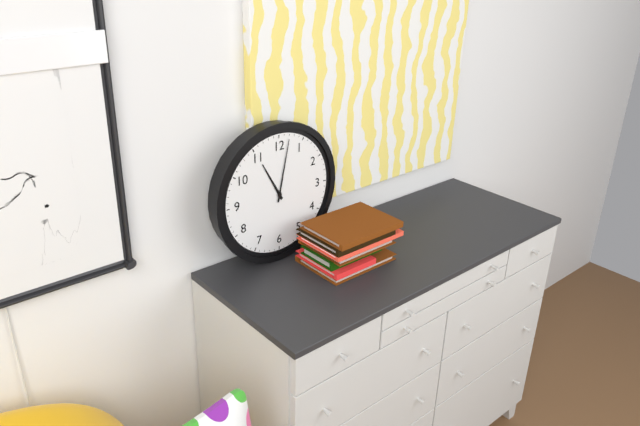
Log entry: 11:02
